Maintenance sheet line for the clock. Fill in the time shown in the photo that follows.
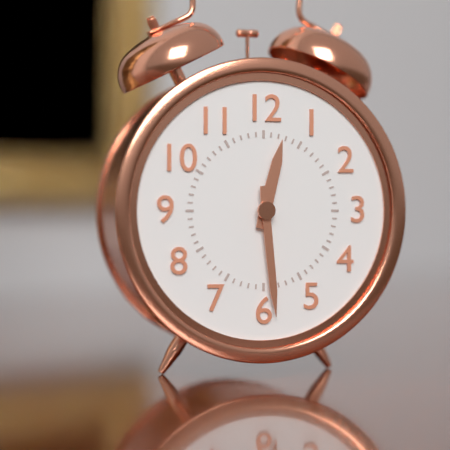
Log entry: 12:29
